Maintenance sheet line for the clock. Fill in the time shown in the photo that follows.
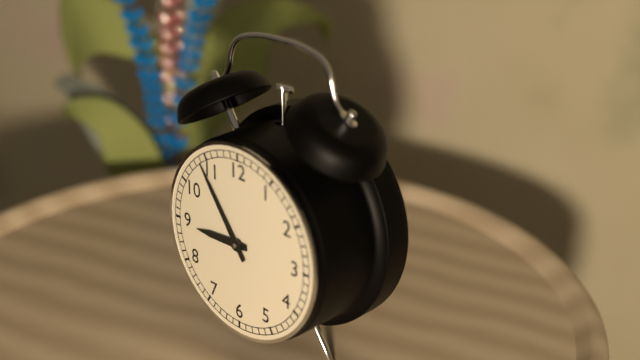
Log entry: 8:54
